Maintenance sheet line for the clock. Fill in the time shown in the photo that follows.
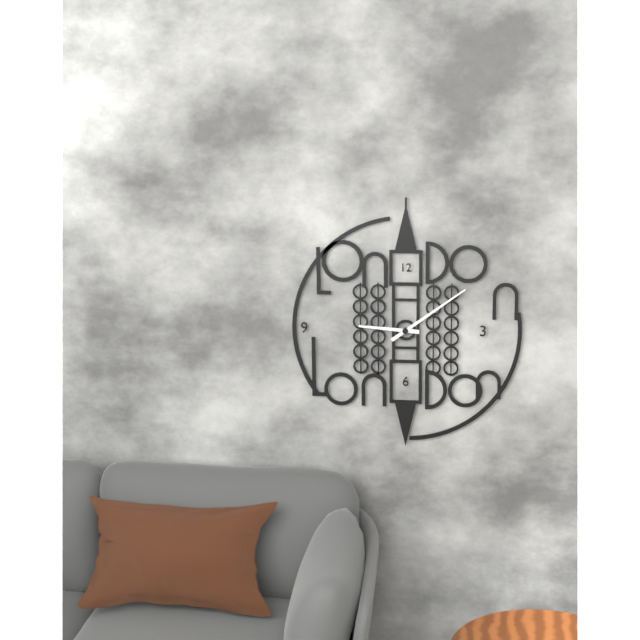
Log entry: 9:09
